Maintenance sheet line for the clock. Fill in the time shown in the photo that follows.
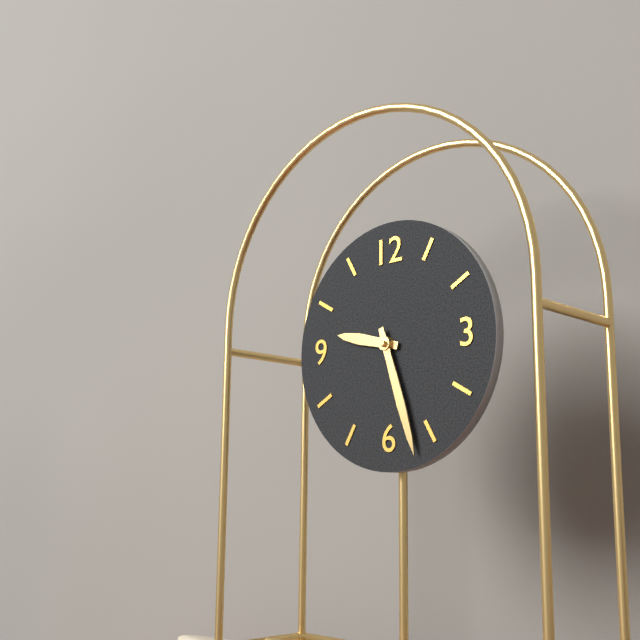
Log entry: 9:27
